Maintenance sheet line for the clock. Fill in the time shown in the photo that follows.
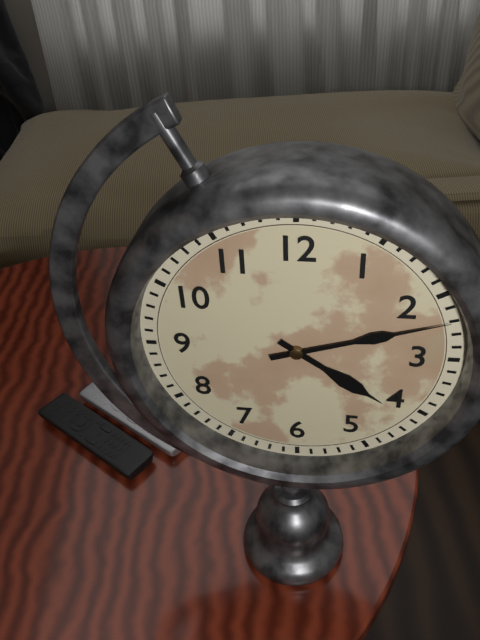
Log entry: 4:12
